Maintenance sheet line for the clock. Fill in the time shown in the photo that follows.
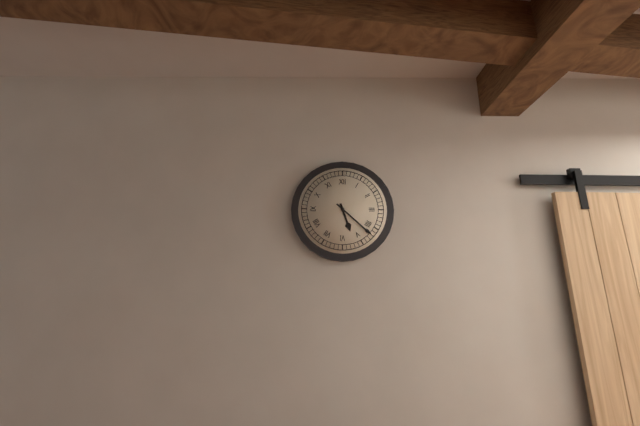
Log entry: 5:22
